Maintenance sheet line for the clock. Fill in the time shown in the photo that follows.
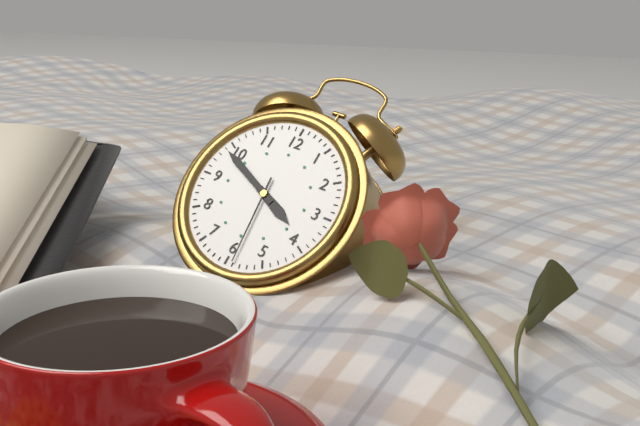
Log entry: 3:49:29
